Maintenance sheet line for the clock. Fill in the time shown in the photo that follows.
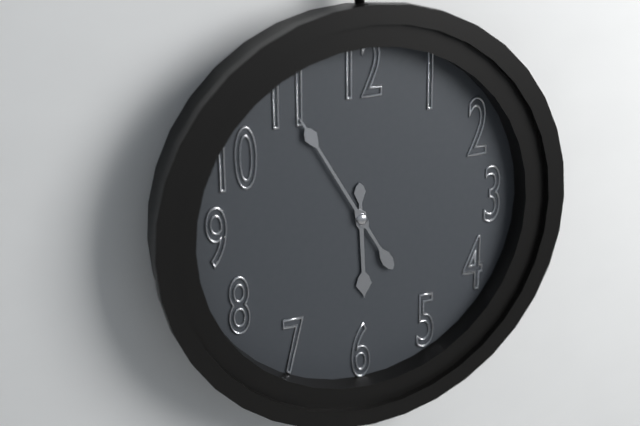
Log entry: 5:55
